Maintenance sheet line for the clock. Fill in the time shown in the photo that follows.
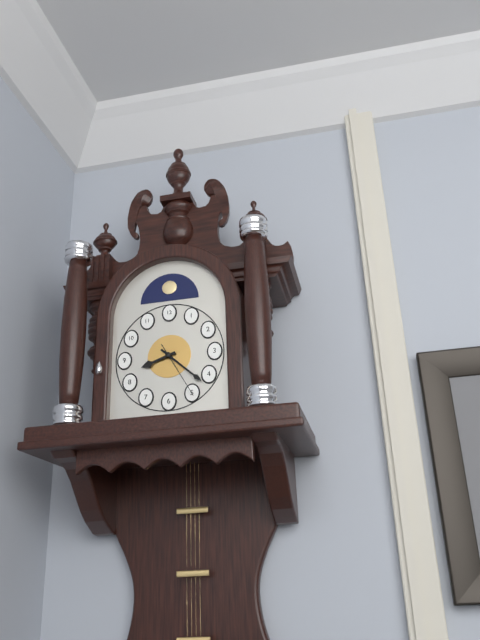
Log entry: 8:22:25
